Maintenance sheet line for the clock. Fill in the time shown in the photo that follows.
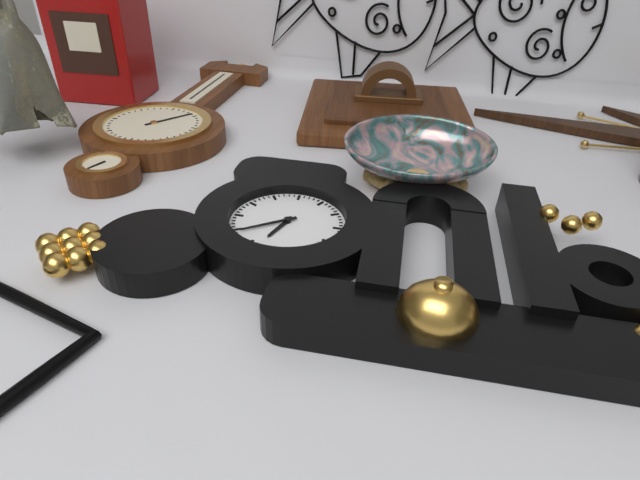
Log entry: 6:39
